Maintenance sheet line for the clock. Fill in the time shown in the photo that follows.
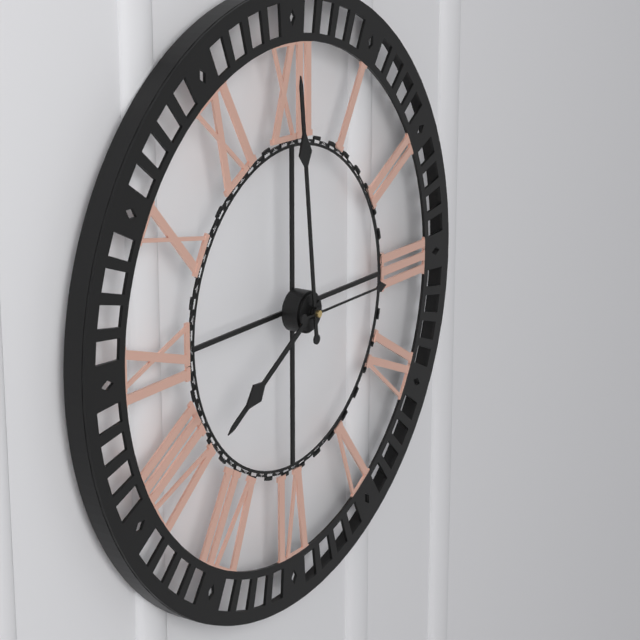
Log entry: 7:59:15
